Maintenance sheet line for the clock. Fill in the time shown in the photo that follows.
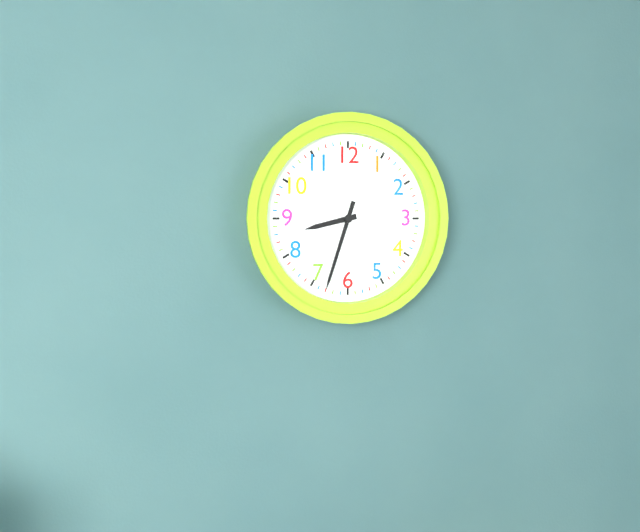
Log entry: 8:33
